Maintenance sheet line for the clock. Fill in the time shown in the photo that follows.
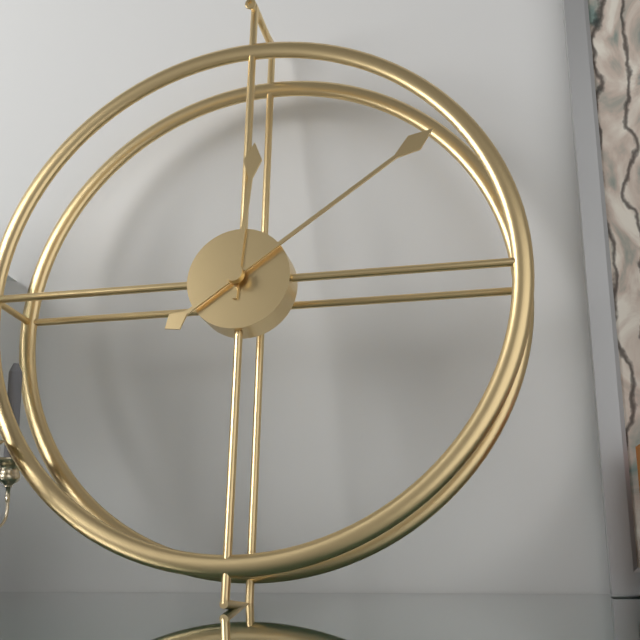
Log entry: 12:09
